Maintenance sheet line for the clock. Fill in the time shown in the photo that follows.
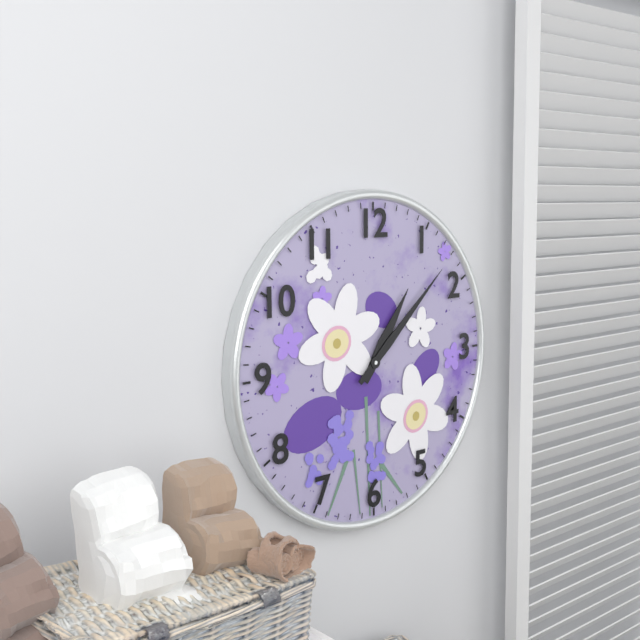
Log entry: 1:08
